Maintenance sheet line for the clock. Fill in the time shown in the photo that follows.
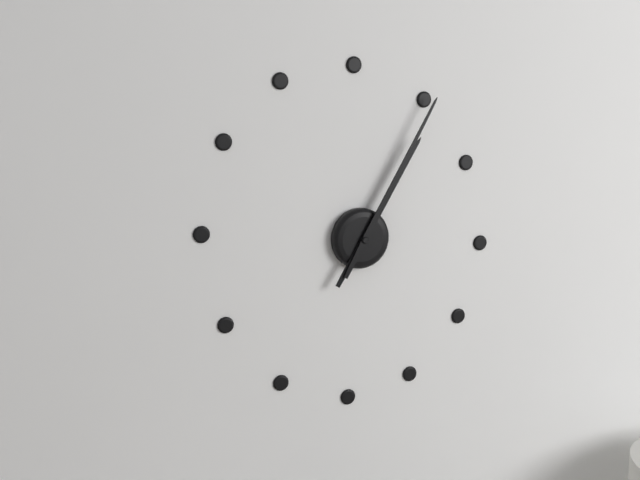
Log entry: 1:05
